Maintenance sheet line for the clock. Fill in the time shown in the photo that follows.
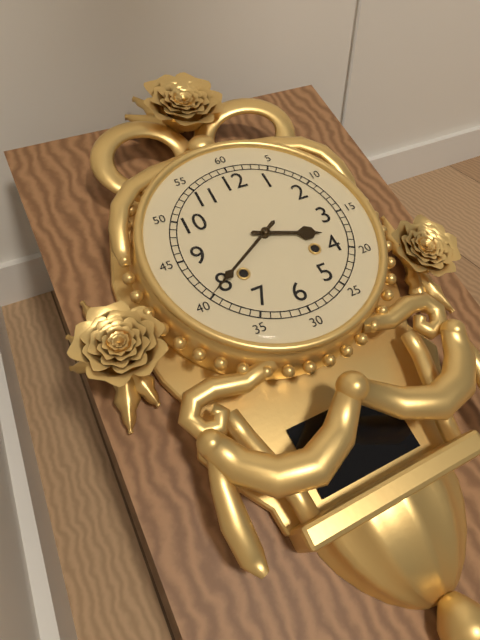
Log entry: 3:40
